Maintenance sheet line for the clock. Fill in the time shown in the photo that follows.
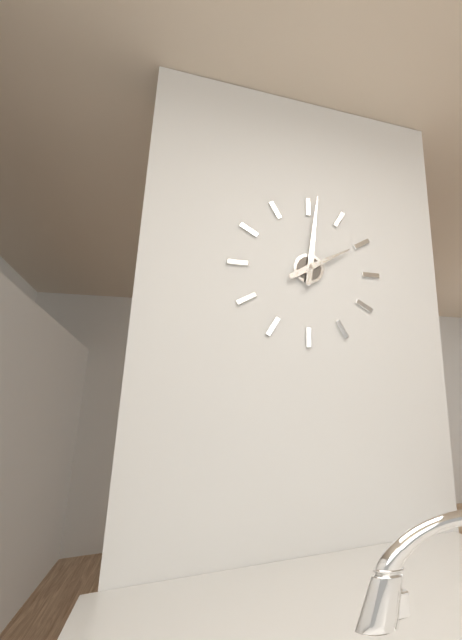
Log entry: 2:01
